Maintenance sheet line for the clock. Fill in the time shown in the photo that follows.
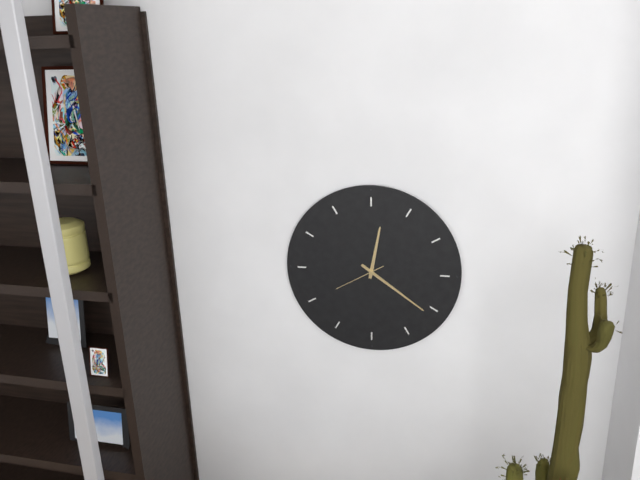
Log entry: 12:21
